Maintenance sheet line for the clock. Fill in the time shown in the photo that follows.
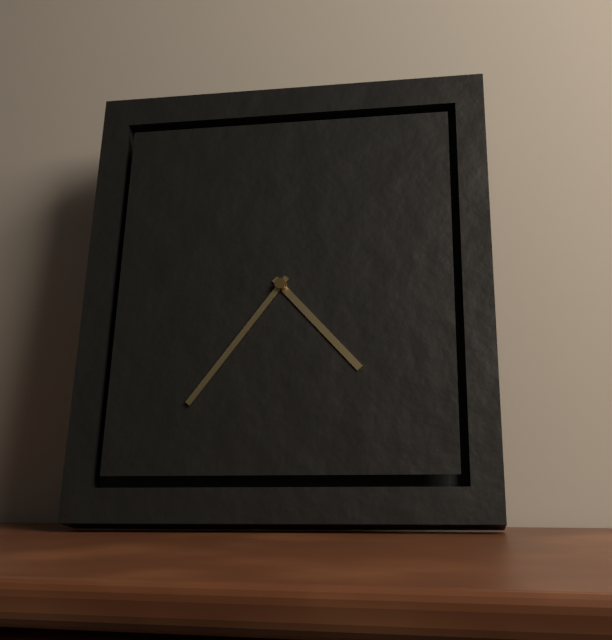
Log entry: 4:36
